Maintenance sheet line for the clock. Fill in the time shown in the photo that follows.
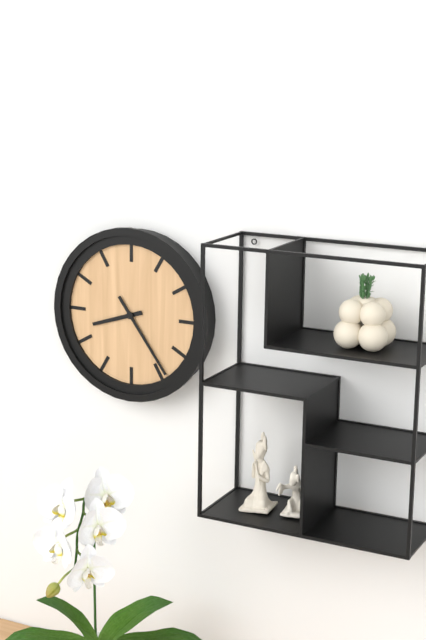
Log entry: 8:24
